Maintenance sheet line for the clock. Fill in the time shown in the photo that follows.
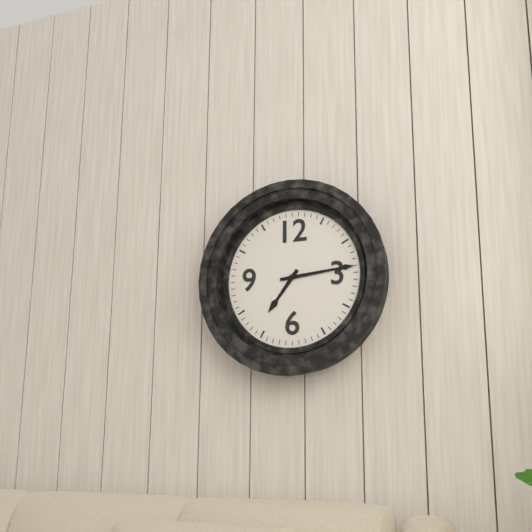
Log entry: 7:14
